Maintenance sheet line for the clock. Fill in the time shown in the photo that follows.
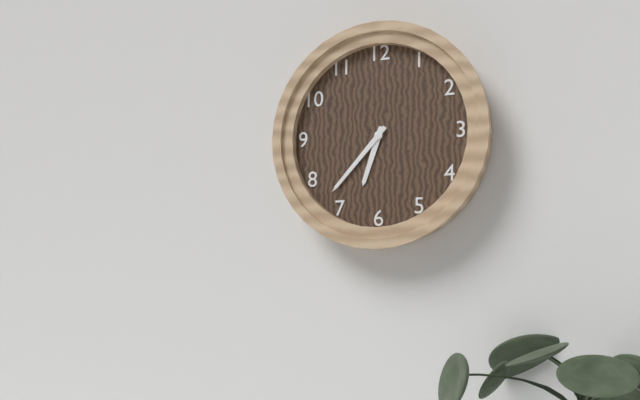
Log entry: 6:37
